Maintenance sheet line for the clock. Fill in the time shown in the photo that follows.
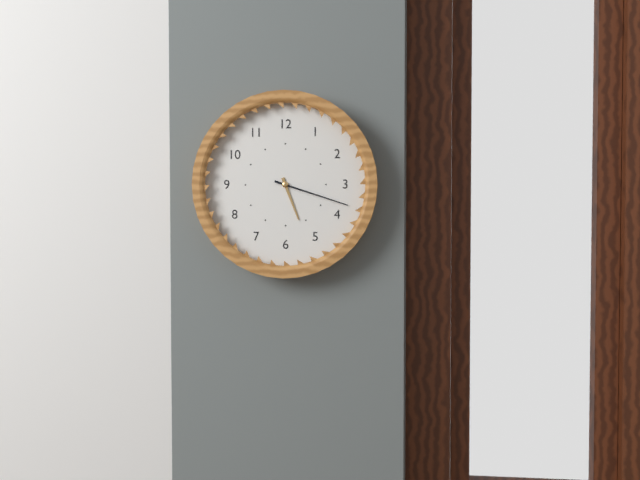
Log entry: 5:18
